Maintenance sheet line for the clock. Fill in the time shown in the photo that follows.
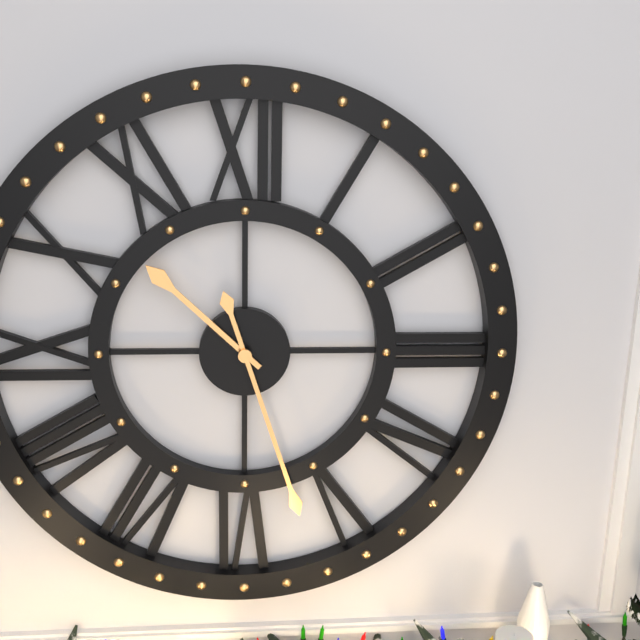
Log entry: 10:27
